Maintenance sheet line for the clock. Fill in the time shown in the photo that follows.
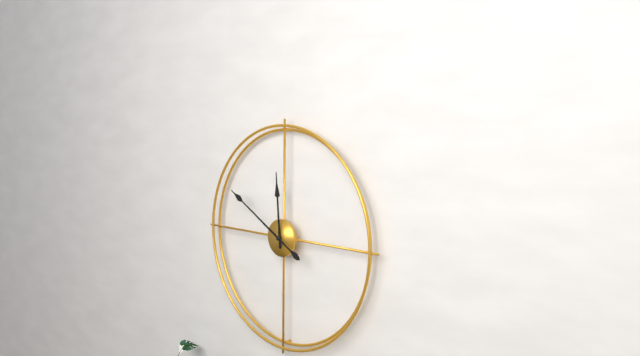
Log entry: 11:50
